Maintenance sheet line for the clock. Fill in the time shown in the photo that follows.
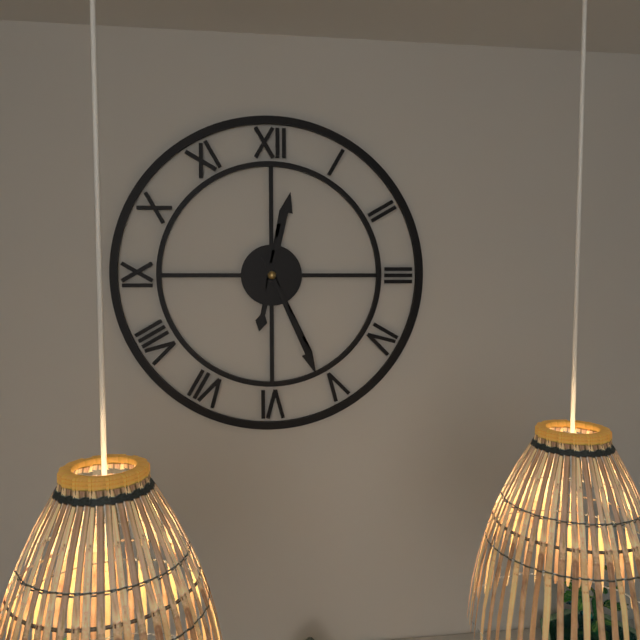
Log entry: 12:26
